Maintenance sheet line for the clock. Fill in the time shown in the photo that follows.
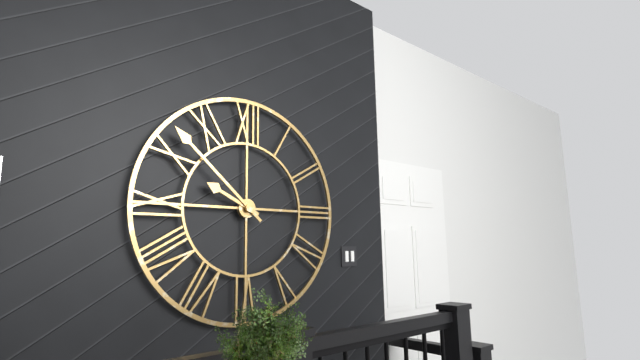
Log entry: 9:52
